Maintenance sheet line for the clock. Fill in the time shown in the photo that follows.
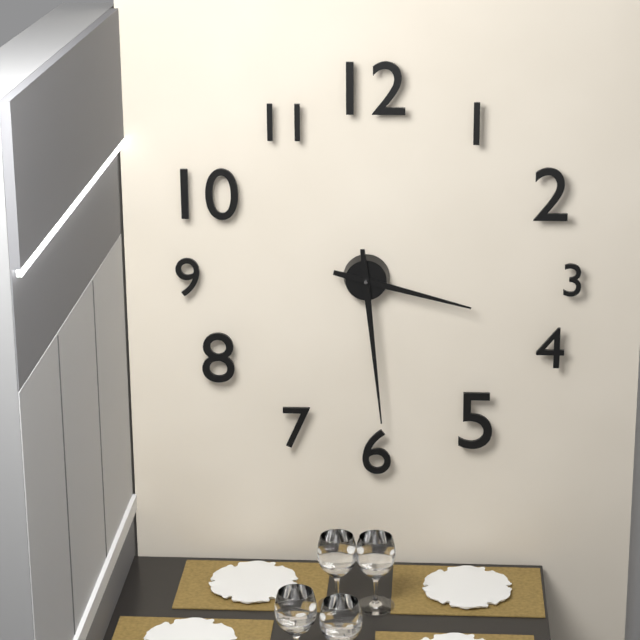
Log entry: 3:29
